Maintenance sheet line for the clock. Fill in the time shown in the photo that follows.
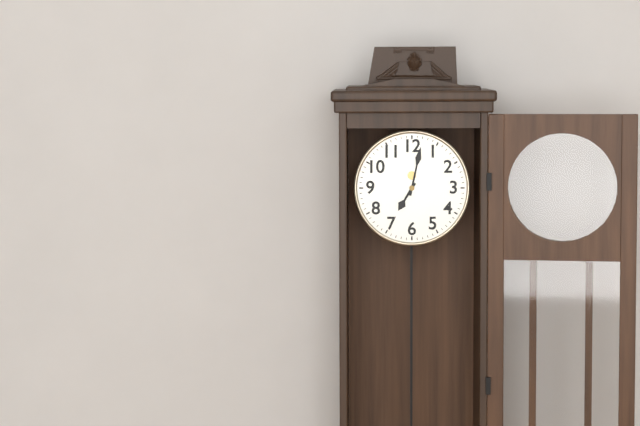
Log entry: 7:02
